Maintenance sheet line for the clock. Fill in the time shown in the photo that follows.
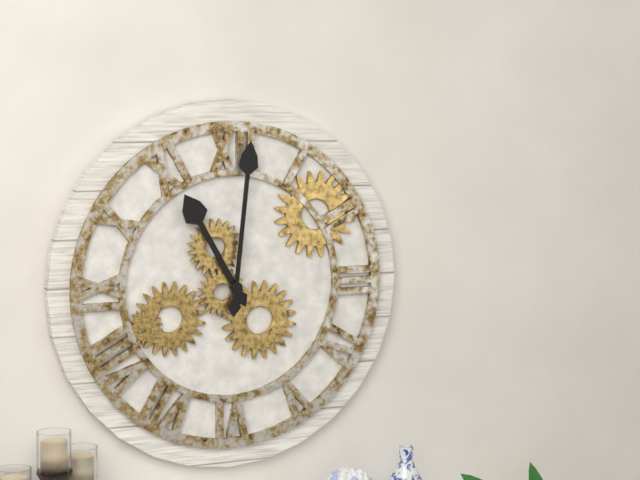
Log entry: 11:01
